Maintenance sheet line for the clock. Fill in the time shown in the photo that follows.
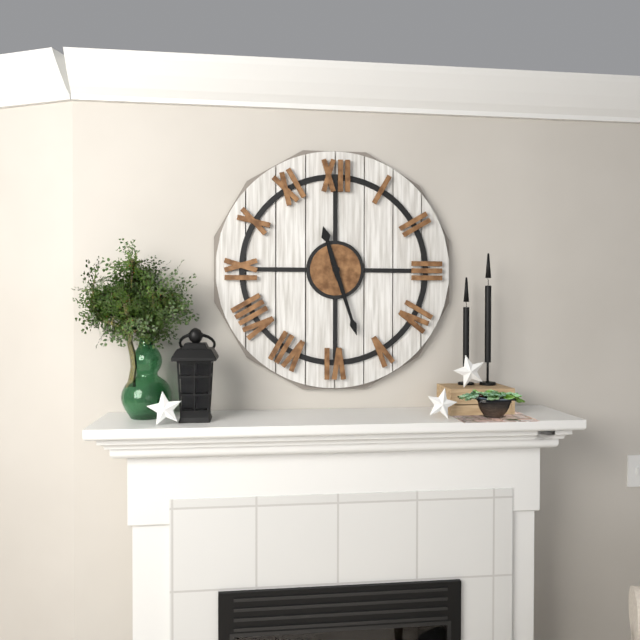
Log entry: 11:27
